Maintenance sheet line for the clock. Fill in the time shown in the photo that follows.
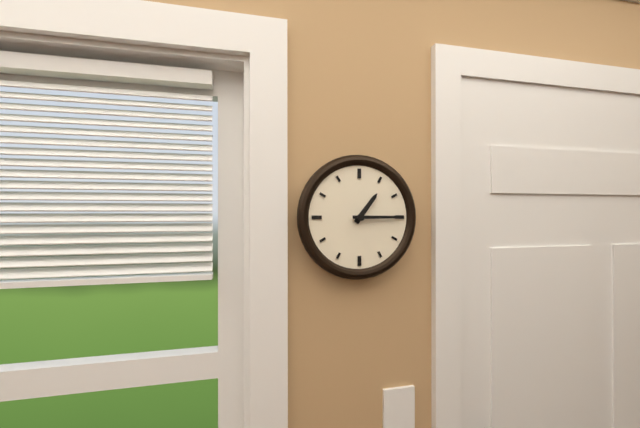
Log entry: 1:15
